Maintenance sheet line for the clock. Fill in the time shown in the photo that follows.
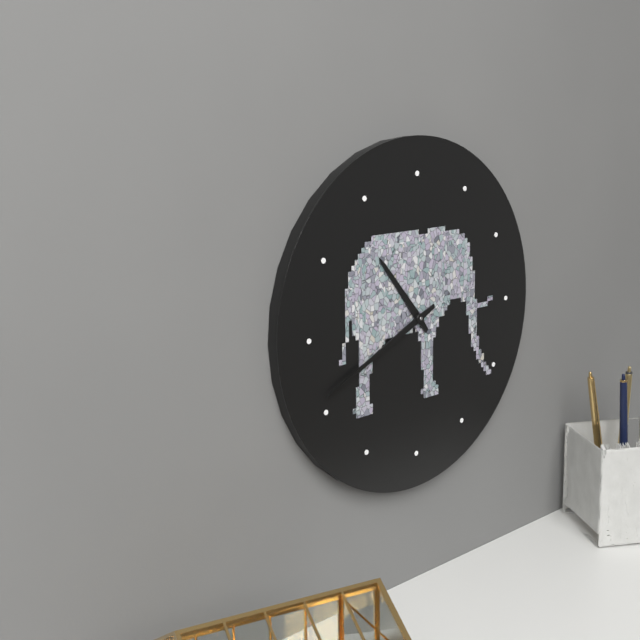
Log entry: 10:41
